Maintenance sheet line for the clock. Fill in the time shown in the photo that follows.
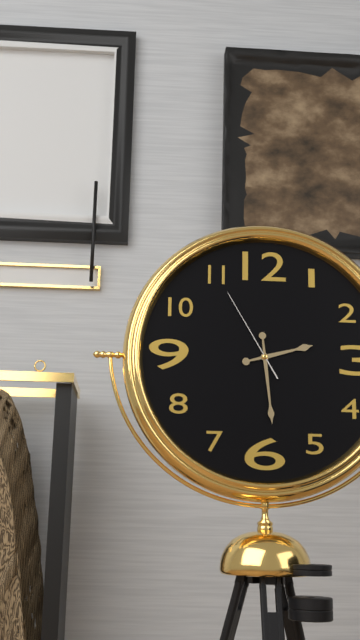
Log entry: 2:29:55
